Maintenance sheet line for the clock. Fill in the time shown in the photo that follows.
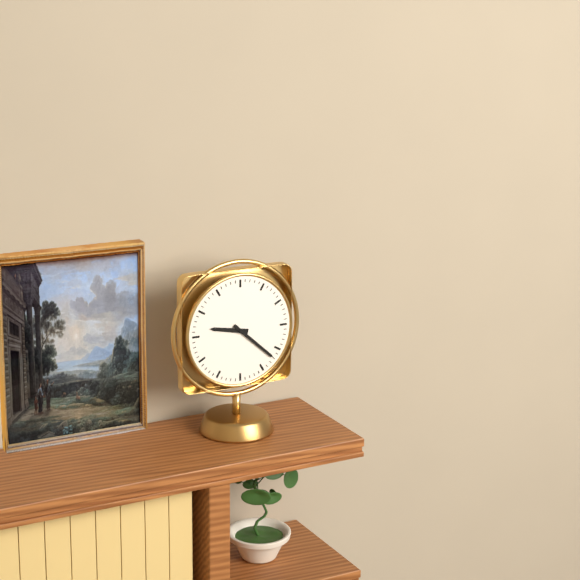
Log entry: 9:22
